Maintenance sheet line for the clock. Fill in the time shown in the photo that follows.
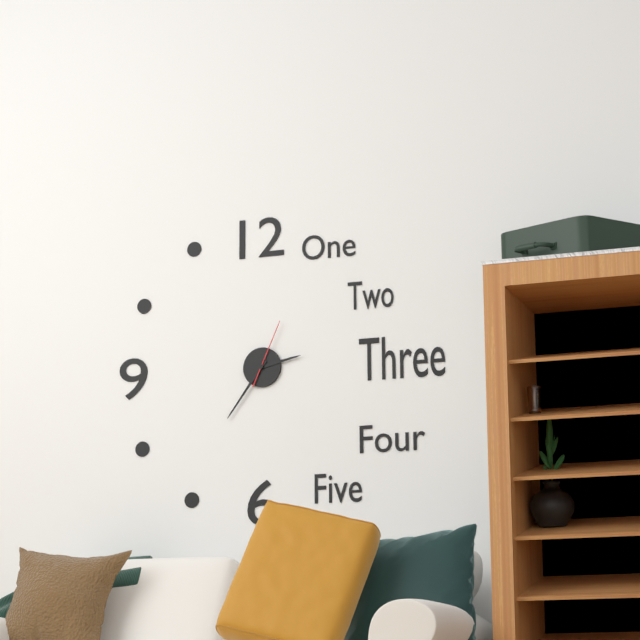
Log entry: 2:36:04
